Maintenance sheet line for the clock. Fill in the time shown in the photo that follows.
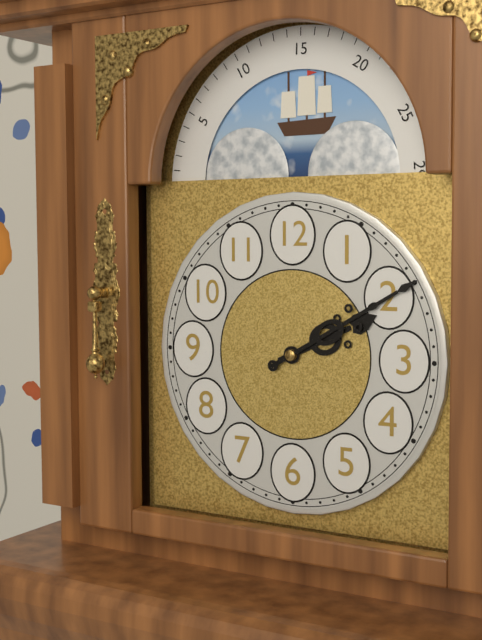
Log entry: 2:10
